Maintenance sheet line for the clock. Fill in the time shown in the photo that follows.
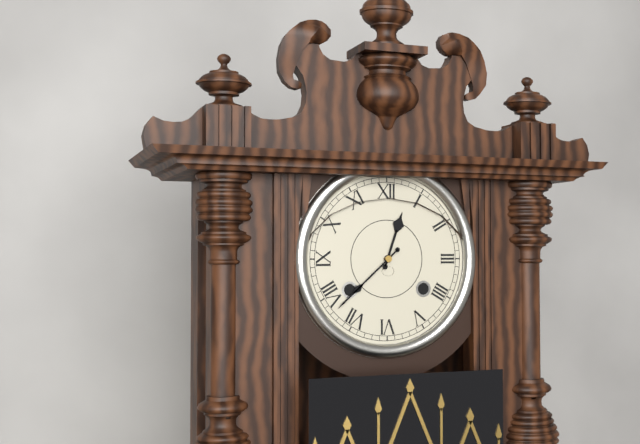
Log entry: 12:38
